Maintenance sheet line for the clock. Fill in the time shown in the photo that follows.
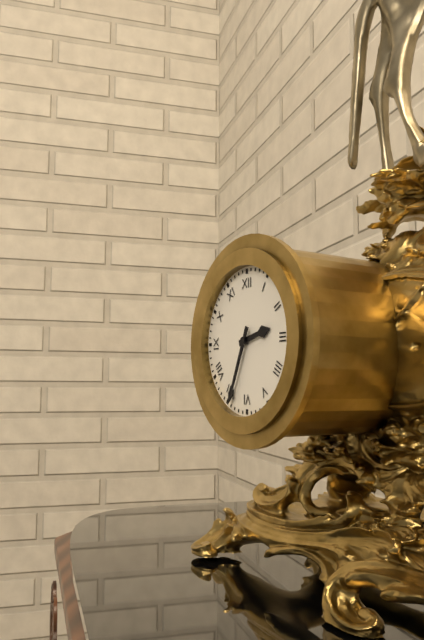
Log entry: 2:34
